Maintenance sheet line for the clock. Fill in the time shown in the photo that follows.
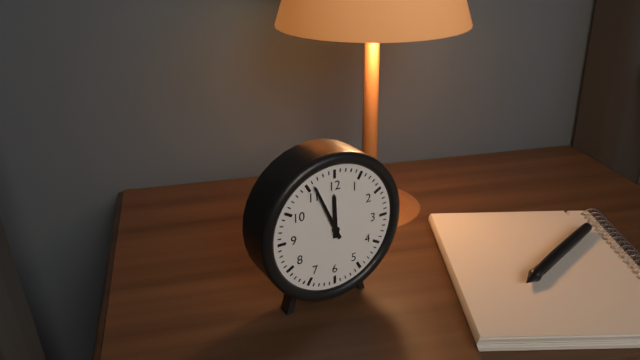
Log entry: 11:56
